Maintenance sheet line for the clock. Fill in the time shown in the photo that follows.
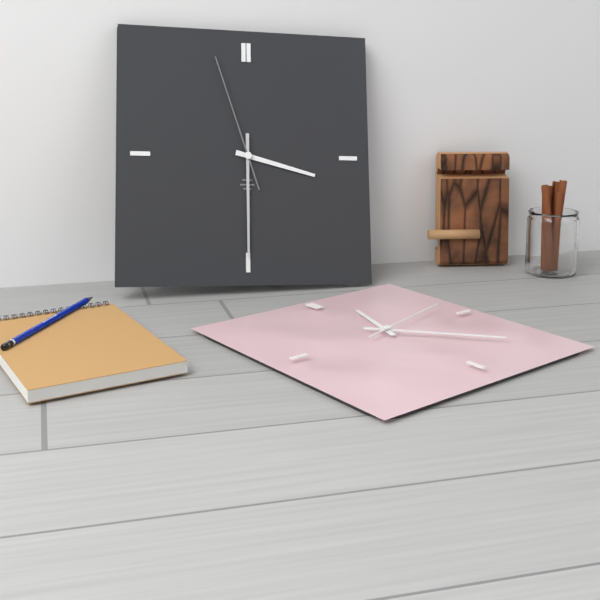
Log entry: 3:30:57
